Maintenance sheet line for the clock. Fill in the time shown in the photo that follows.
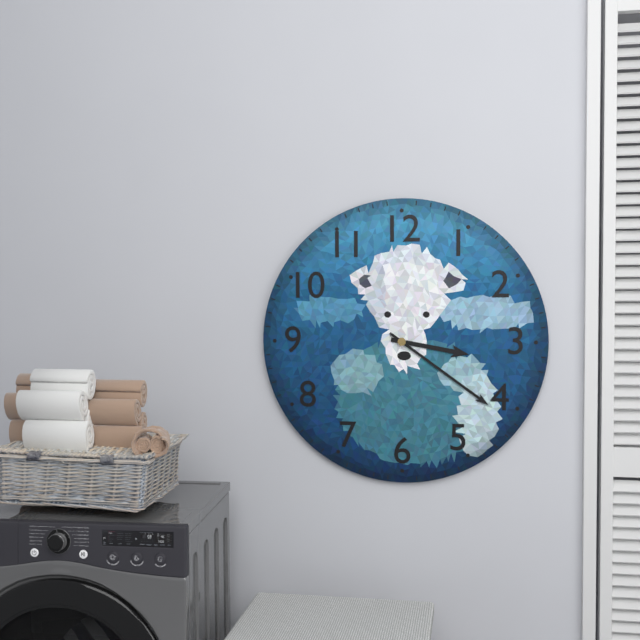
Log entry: 3:21
